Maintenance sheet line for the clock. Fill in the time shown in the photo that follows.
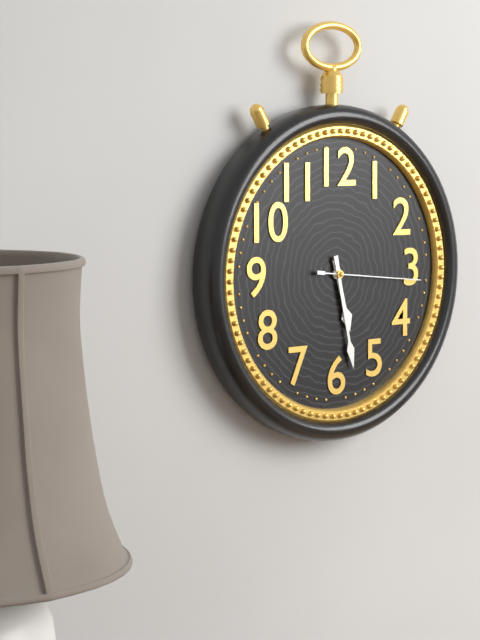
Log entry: 5:28:16
